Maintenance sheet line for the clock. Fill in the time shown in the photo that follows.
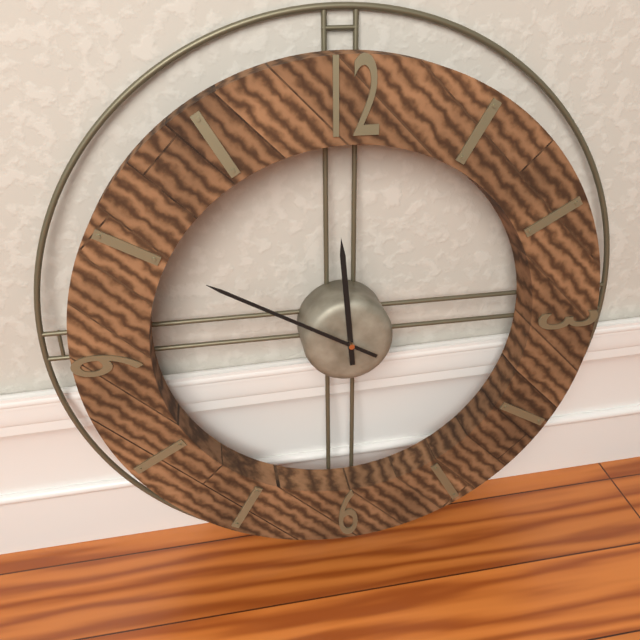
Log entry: 11:50
